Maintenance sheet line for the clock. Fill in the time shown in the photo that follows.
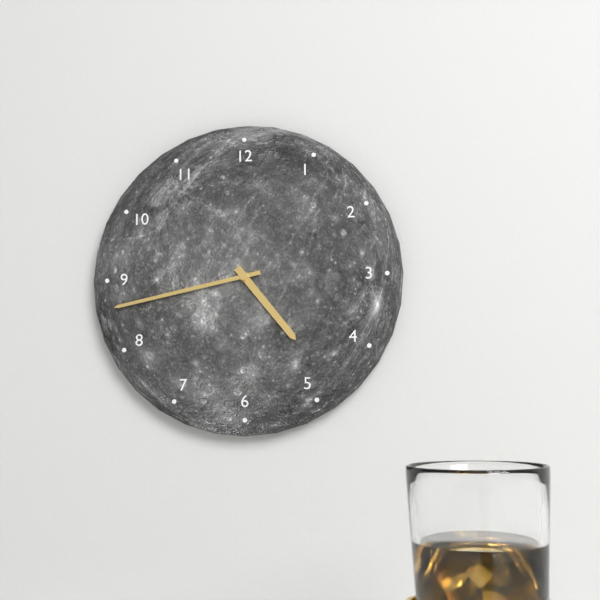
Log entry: 4:43
